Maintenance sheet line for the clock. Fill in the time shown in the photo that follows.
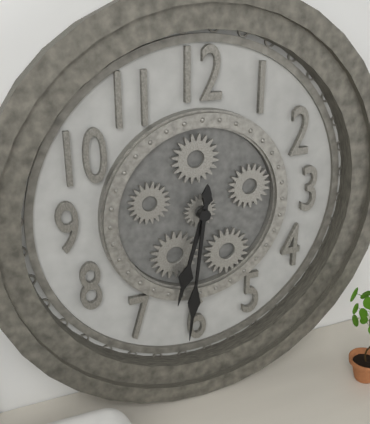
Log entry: 6:31
